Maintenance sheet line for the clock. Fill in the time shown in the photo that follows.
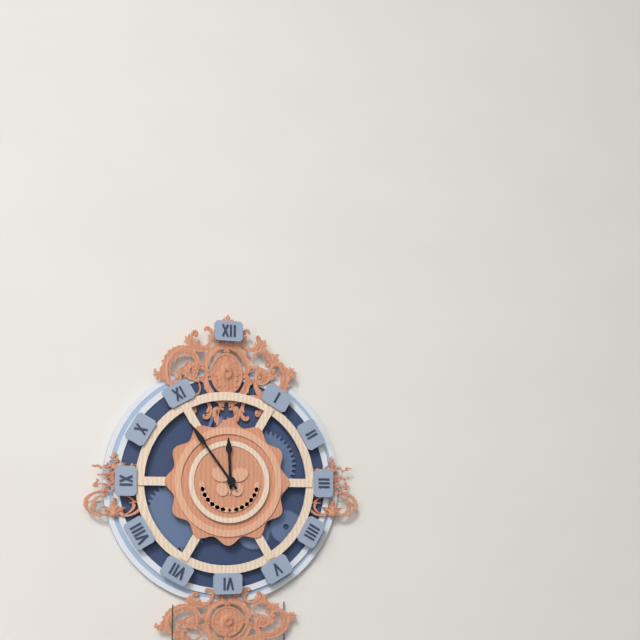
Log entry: 11:54
